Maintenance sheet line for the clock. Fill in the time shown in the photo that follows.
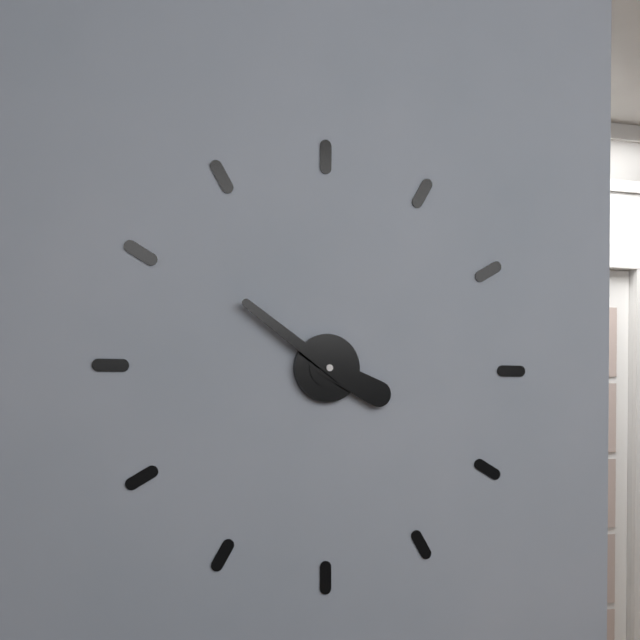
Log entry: 3:51
